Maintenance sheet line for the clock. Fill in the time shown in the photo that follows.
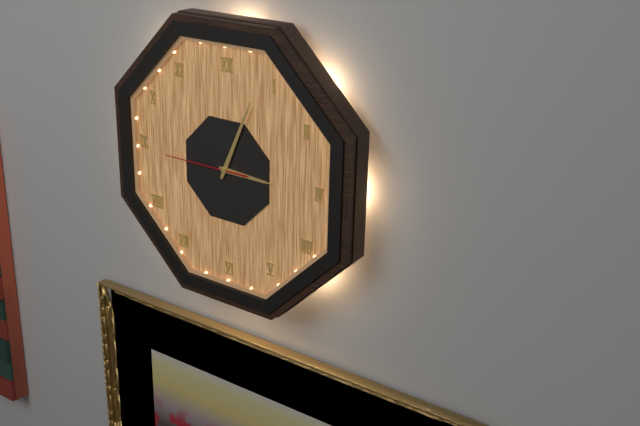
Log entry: 3:04:45
